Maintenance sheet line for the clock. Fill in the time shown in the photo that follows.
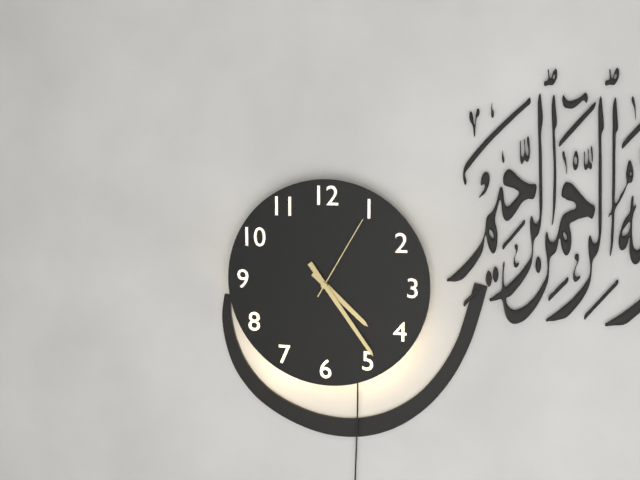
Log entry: 4:24:05
